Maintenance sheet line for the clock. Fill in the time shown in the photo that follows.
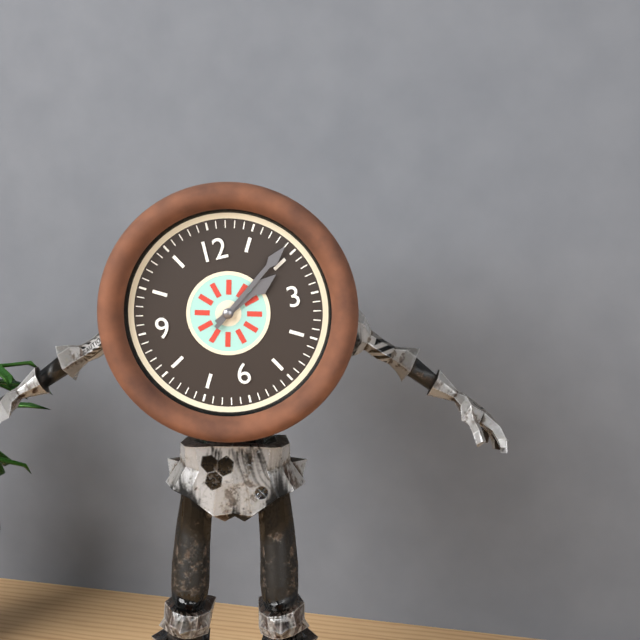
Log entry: 2:09
